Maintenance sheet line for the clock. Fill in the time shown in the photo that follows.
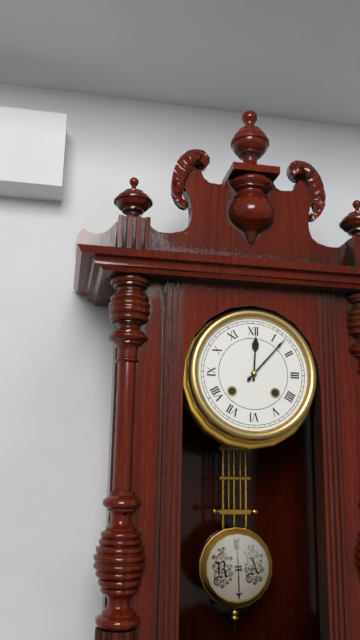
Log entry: 12:07
